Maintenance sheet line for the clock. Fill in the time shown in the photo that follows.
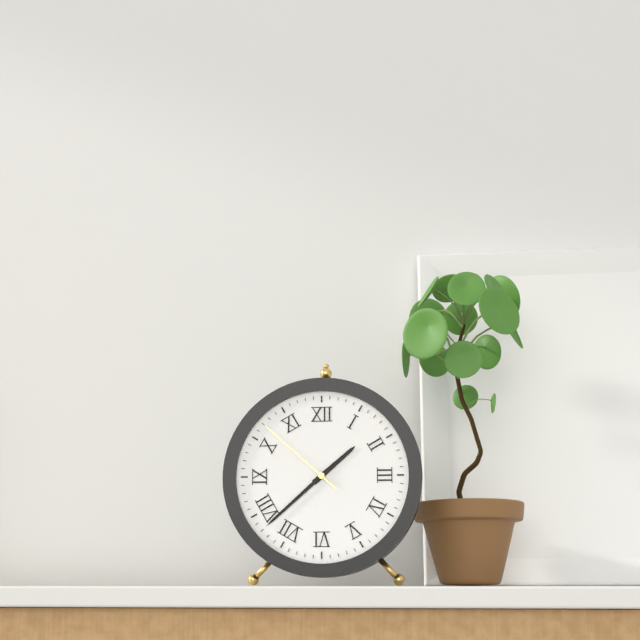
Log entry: 1:38:52
